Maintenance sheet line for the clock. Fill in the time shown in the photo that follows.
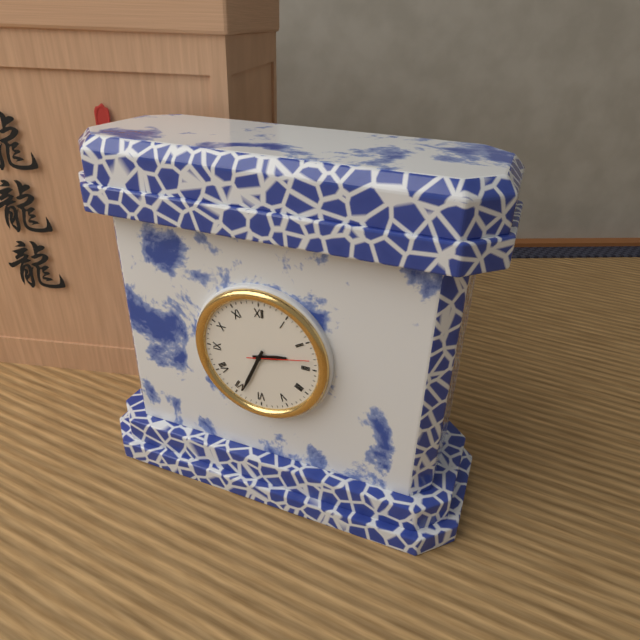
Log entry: 2:34:13
